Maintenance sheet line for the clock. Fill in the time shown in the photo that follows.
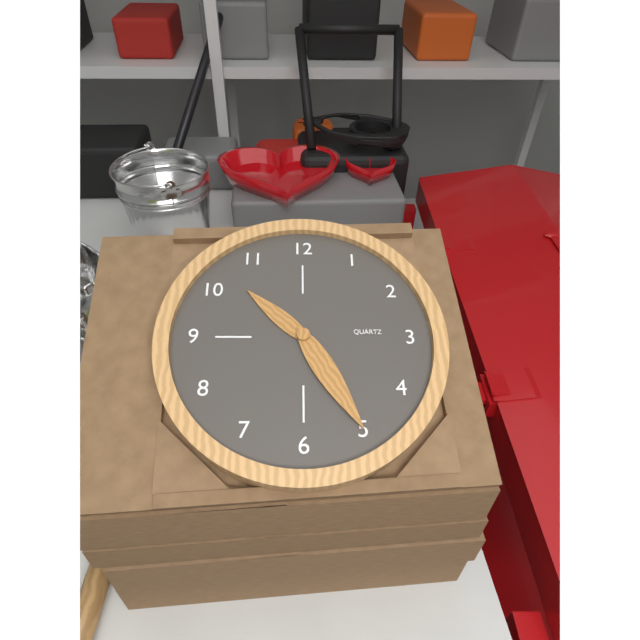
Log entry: 10:25
